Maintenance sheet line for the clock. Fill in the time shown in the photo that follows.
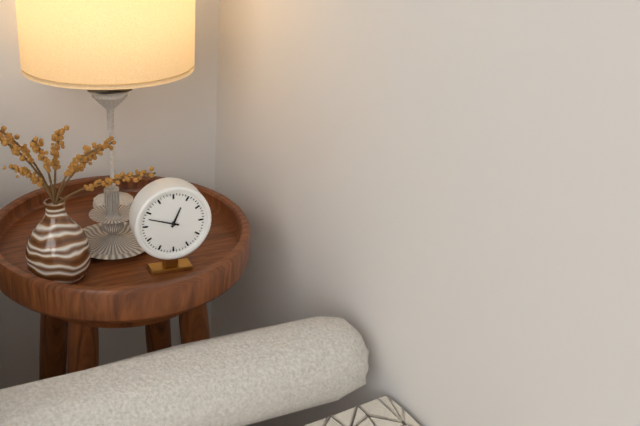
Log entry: 12:48
